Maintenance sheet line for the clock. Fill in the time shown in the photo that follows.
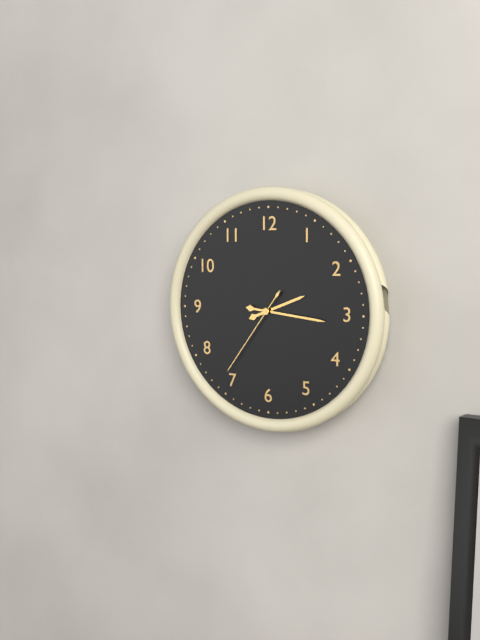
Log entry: 2:16:36
